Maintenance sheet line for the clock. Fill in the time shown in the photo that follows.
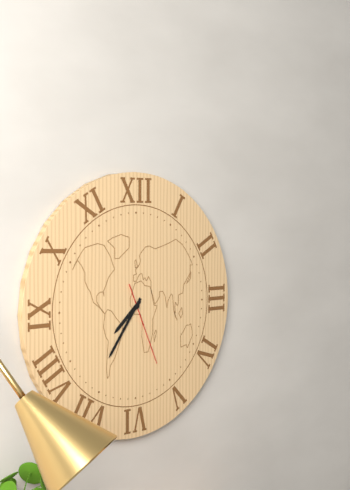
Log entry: 7:36:26
